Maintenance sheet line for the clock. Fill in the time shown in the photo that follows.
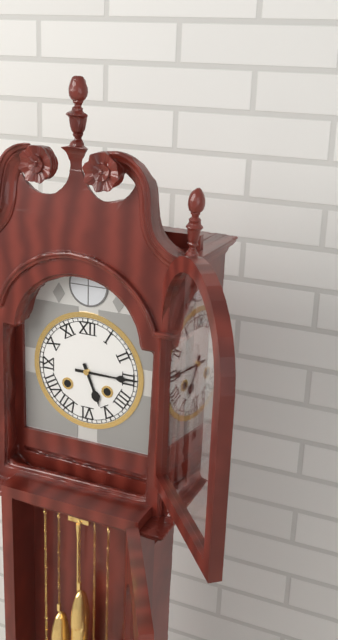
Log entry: 5:15
